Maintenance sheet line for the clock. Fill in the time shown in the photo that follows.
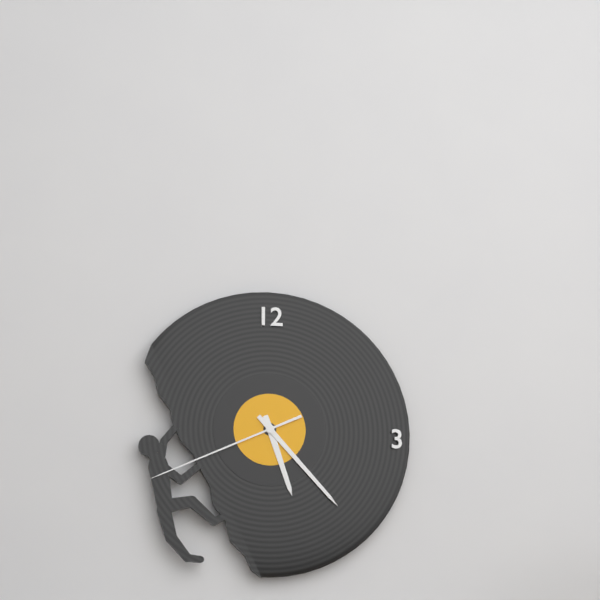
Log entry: 5:23:41
